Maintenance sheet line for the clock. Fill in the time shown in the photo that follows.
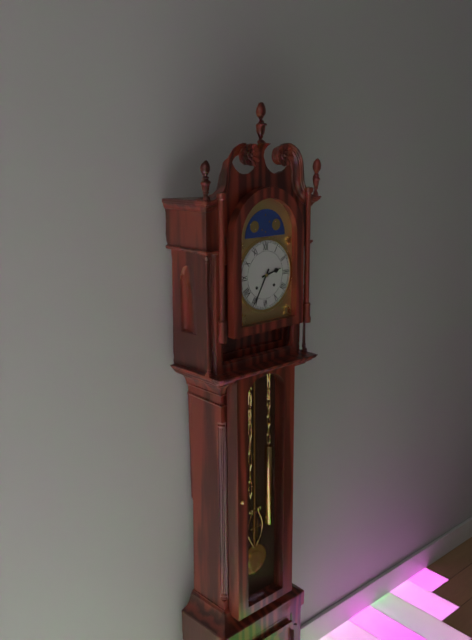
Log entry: 2:35
